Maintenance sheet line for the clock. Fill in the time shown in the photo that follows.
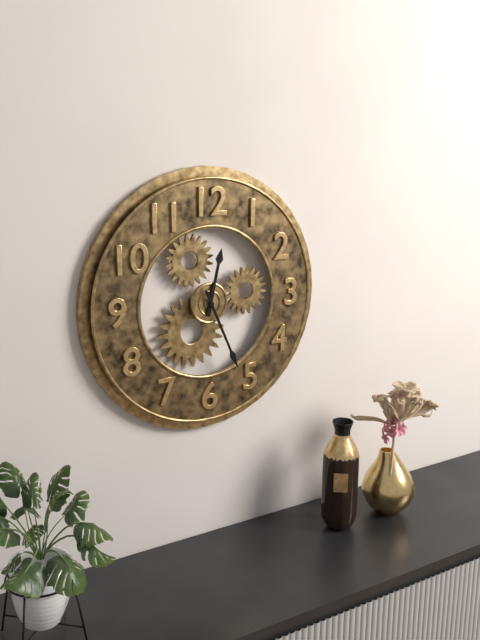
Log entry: 12:26
